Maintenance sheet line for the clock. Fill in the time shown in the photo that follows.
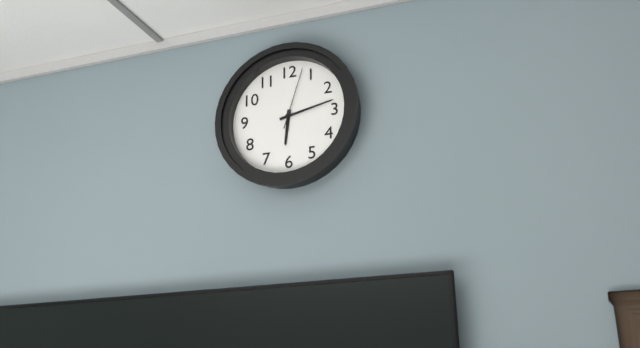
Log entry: 6:13:03
